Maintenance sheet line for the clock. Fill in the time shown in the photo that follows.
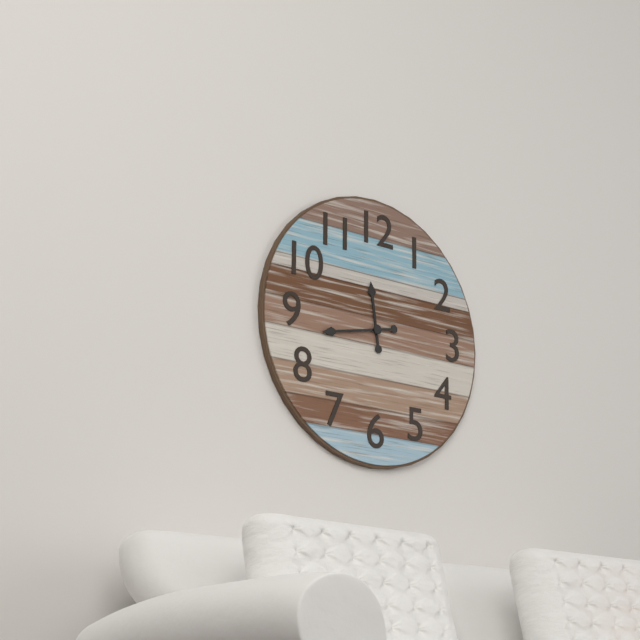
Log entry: 11:43
